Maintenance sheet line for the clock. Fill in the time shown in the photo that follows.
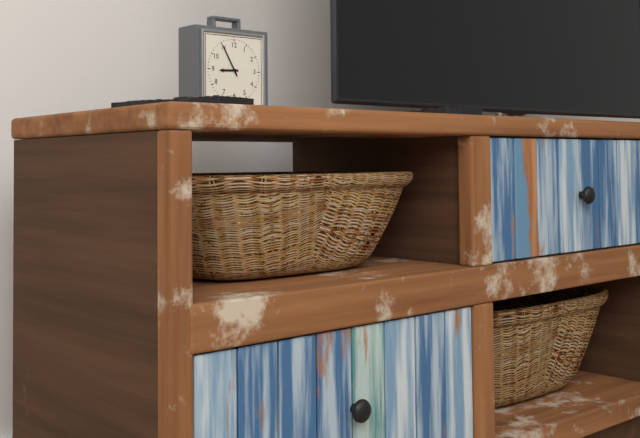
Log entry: 8:55
